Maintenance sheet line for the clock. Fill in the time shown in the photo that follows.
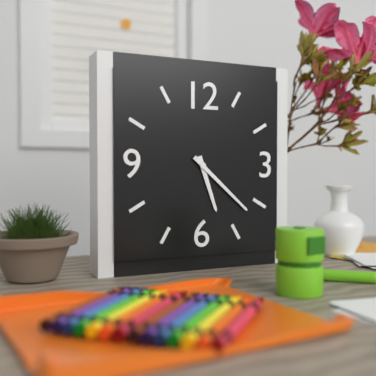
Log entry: 5:22
